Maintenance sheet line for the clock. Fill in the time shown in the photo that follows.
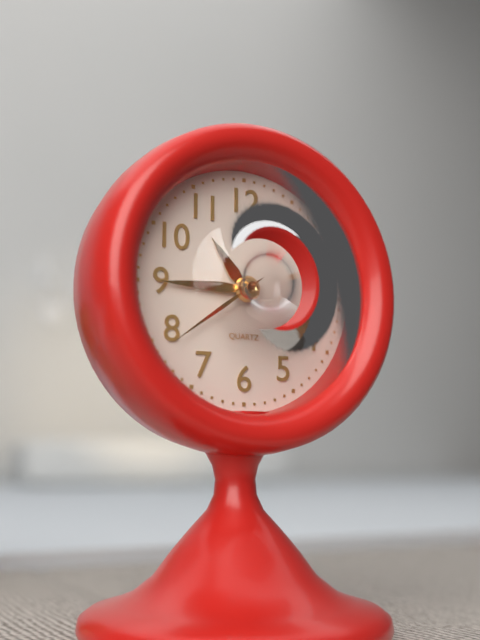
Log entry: 10:45:39
